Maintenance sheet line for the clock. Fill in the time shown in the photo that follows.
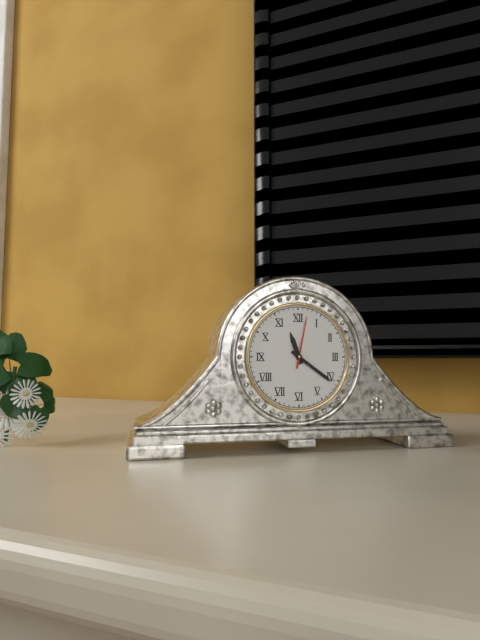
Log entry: 11:21:02
